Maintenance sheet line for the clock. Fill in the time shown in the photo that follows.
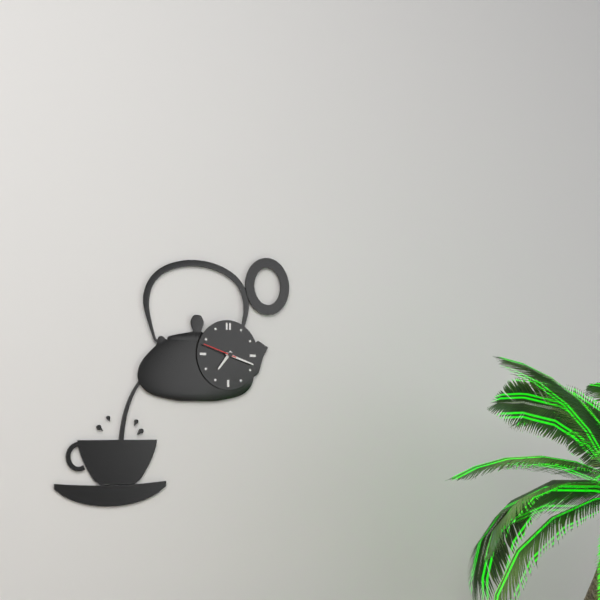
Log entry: 7:18
